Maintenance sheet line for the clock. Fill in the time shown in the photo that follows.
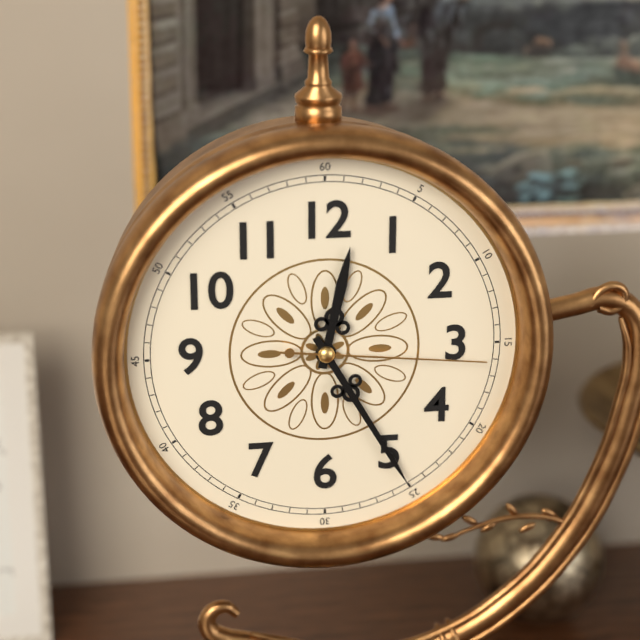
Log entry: 12:25:16
